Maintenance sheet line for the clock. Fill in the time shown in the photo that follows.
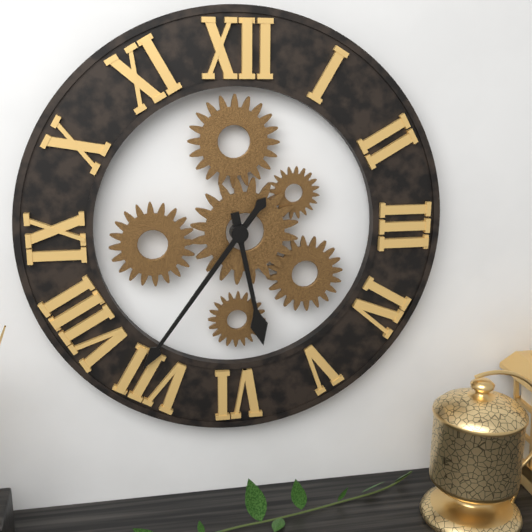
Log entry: 5:36
